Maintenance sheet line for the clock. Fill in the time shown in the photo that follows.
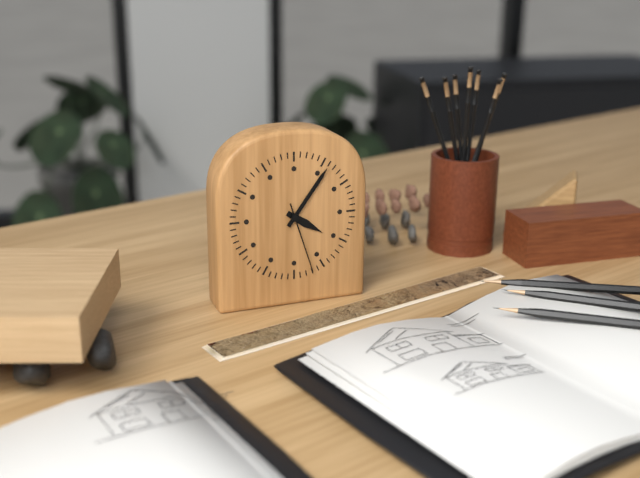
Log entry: 4:06:27
